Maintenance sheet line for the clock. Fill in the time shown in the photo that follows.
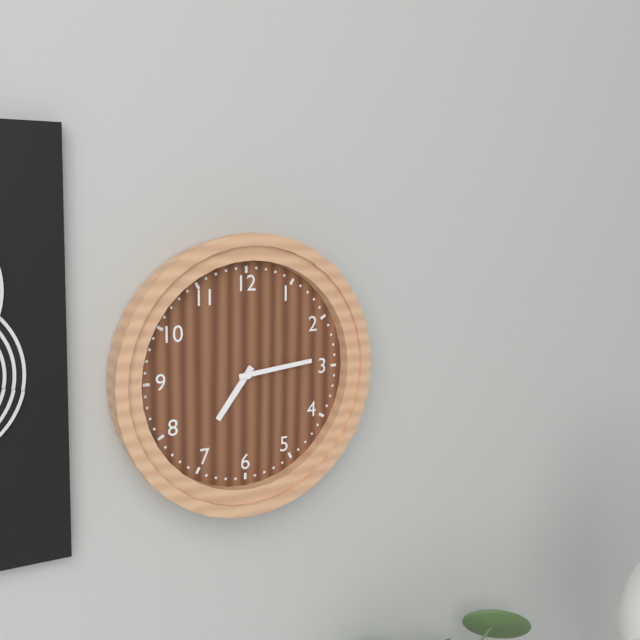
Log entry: 7:14
